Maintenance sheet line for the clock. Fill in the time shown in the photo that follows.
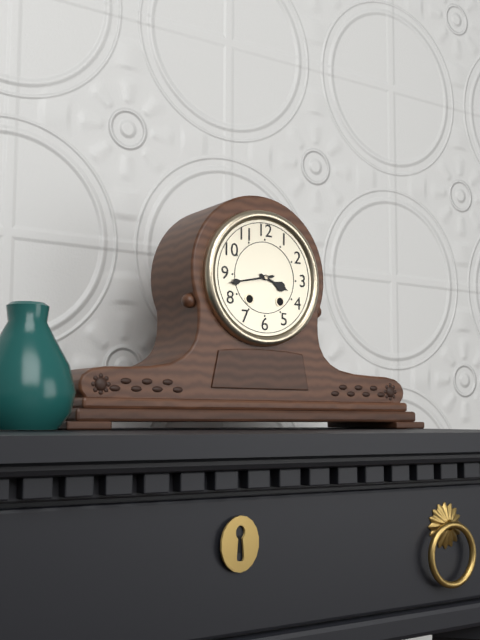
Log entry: 3:43
